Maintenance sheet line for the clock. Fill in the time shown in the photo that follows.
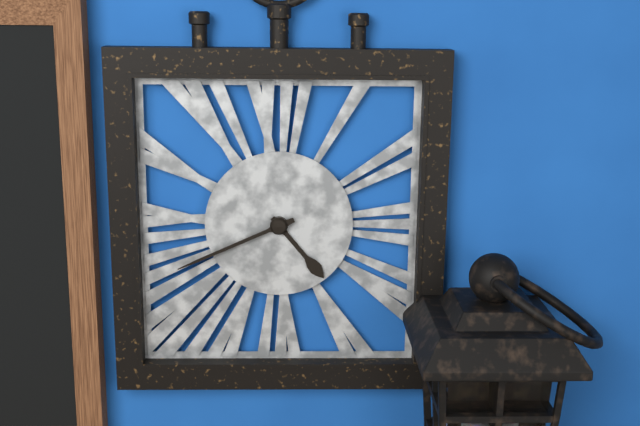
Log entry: 4:41
